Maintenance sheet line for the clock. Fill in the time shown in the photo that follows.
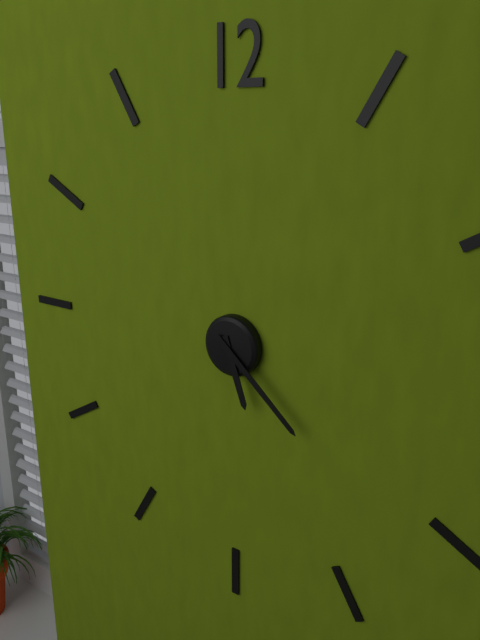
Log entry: 5:22
